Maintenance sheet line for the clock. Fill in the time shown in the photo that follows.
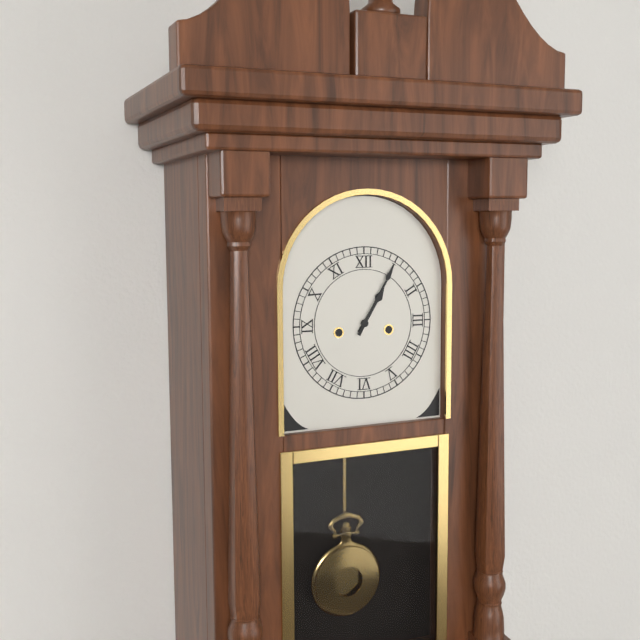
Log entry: 1:05
